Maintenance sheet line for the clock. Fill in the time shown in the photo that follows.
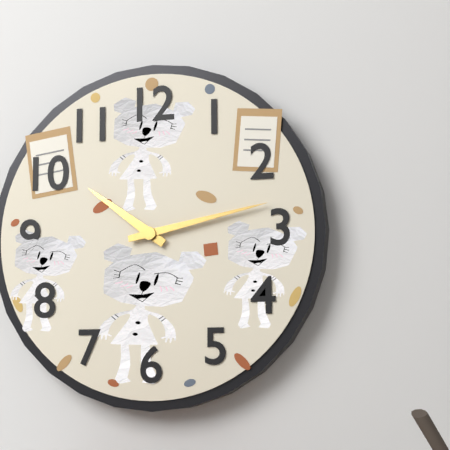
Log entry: 10:13
